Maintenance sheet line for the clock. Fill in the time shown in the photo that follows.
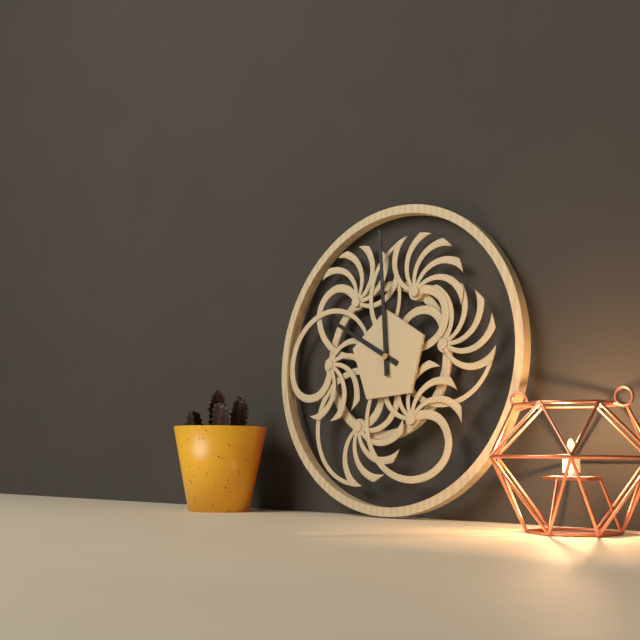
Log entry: 9:59
